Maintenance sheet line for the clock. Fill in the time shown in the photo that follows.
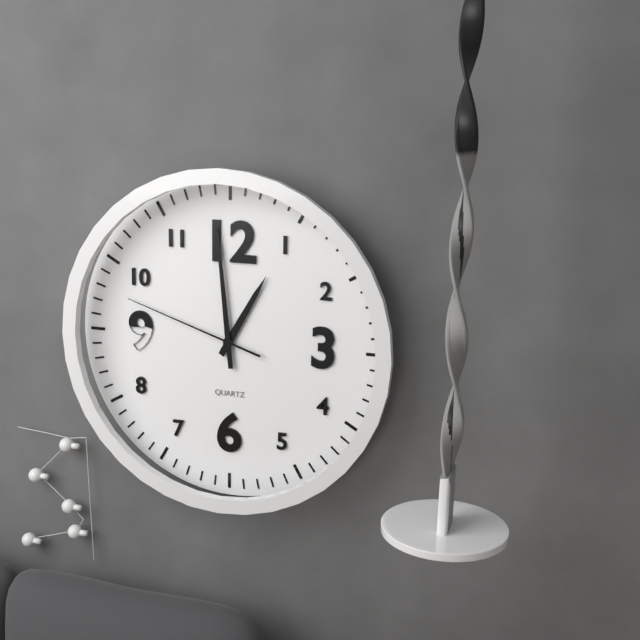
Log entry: 12:59:48
